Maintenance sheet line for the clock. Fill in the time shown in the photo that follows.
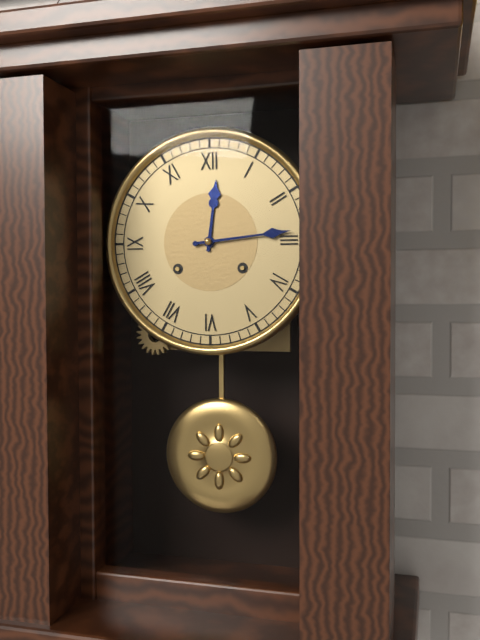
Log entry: 12:14
